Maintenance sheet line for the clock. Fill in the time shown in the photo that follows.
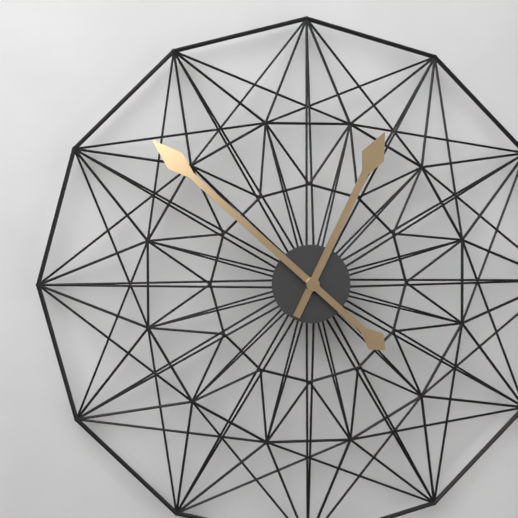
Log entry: 12:52
